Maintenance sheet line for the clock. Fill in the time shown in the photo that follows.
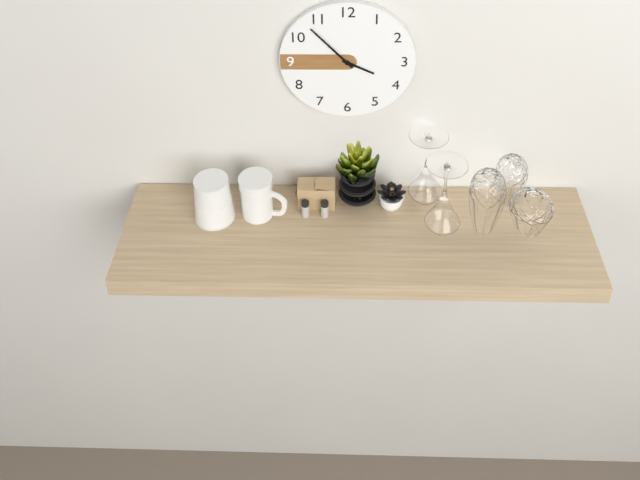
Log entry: 3:53
